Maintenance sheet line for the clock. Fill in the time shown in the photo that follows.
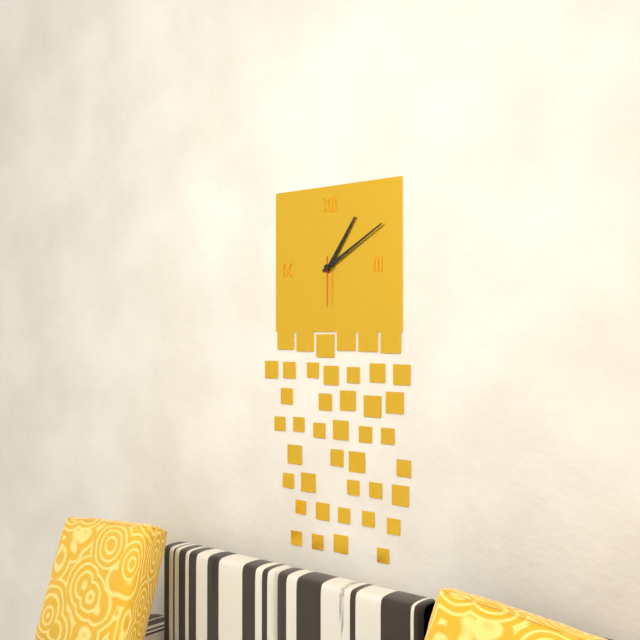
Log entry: 1:10
